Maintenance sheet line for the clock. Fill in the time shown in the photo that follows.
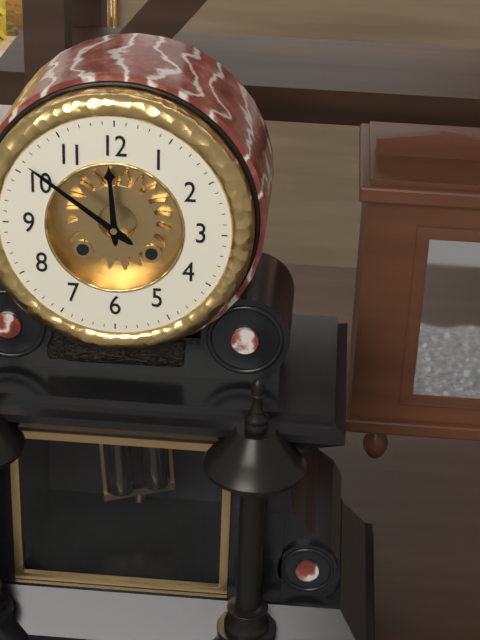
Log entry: 11:51
